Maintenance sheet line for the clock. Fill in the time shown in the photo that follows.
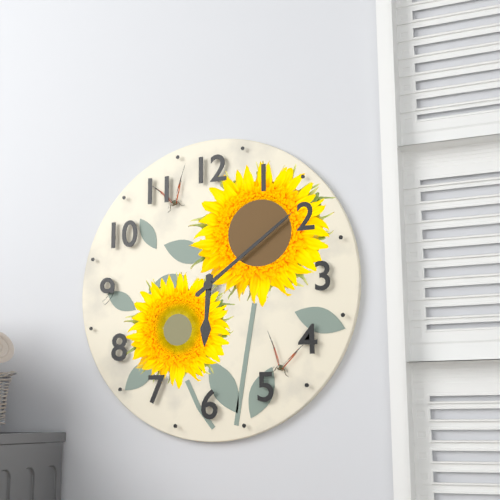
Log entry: 6:09
